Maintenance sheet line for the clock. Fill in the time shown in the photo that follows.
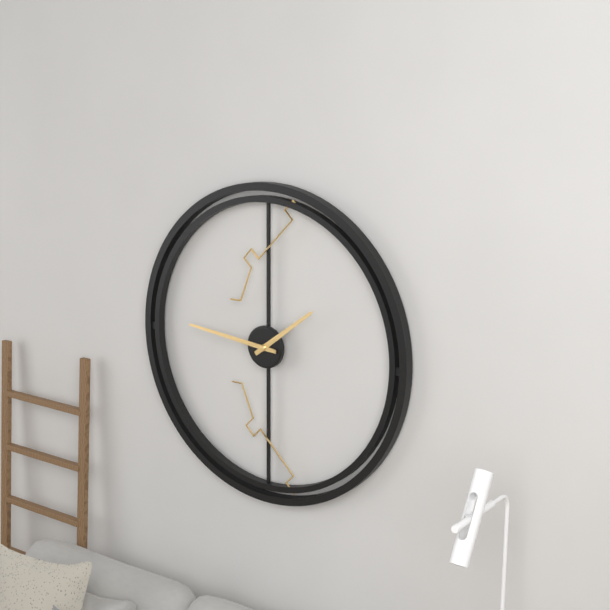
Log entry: 1:46
